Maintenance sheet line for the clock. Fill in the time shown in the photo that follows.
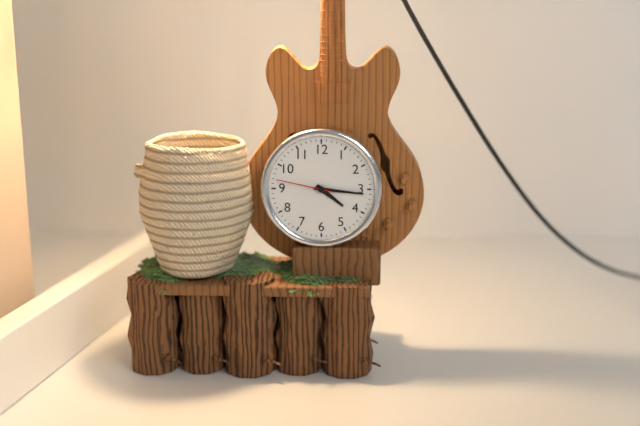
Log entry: 4:16:47
